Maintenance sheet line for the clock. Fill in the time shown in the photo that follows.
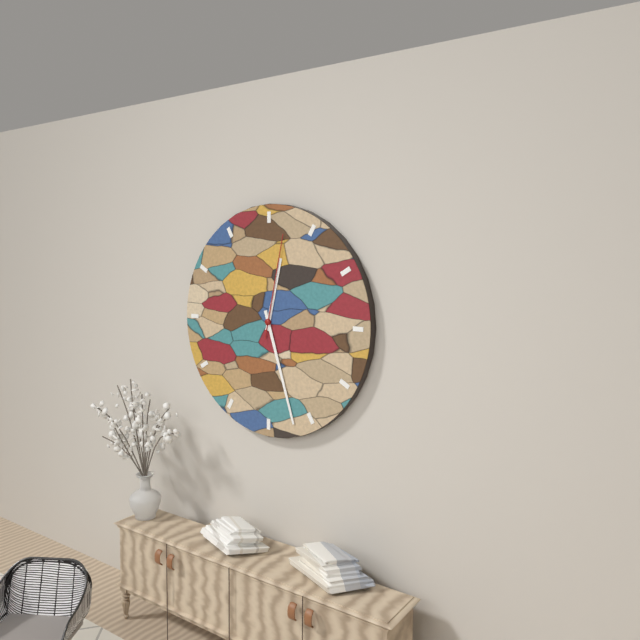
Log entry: 12:27:02
